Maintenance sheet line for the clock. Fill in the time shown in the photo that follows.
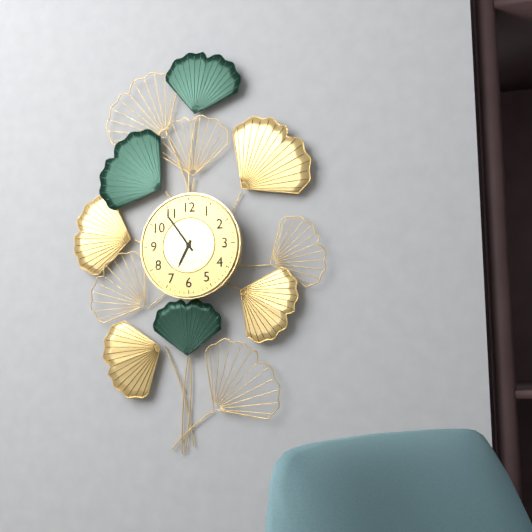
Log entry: 6:54
